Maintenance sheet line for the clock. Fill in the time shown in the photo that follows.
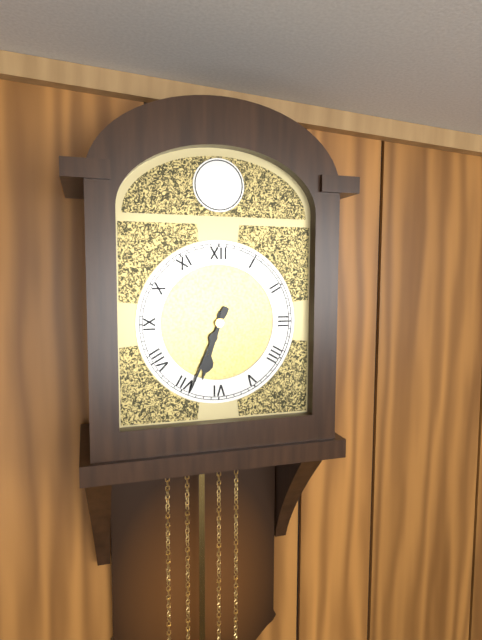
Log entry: 6:34
